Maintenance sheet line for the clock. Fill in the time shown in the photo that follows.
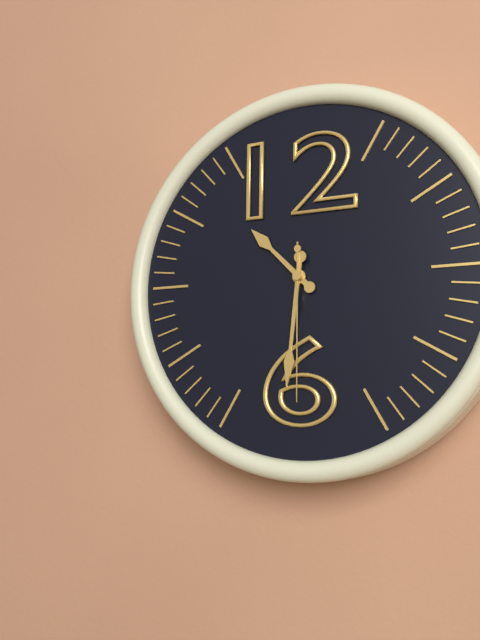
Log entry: 10:31:30
